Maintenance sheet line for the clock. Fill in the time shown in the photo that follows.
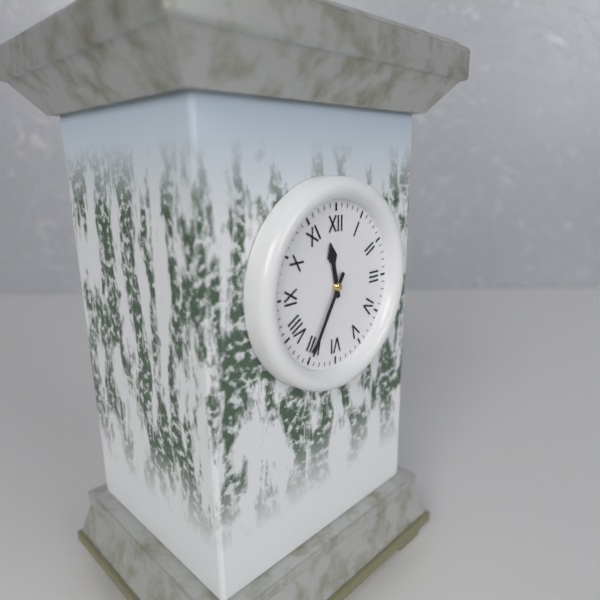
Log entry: 11:35
